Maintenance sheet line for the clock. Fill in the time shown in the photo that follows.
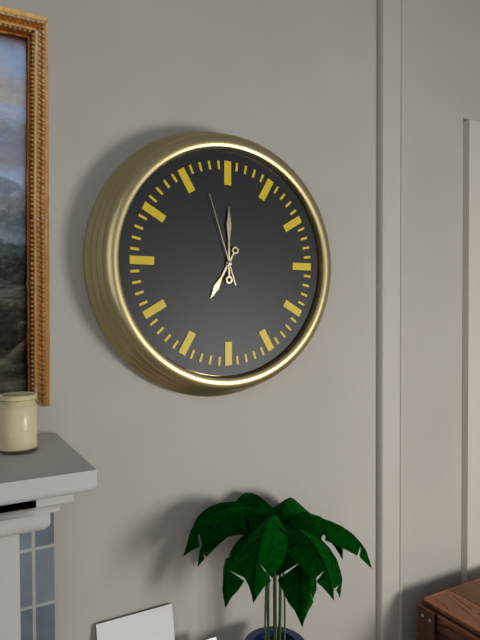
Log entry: 7:00:57
